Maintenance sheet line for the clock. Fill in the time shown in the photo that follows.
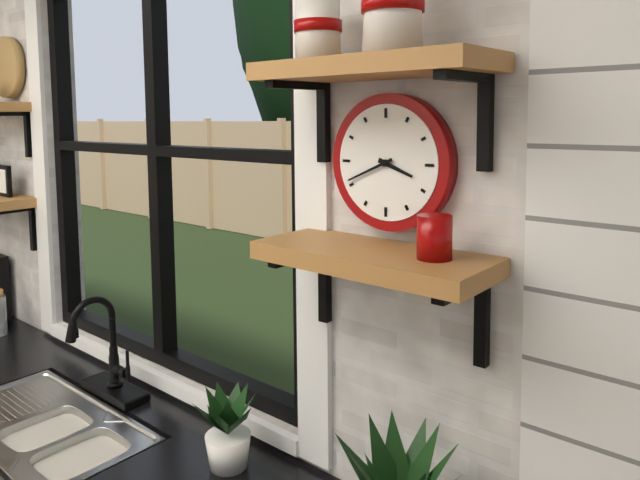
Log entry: 3:41
